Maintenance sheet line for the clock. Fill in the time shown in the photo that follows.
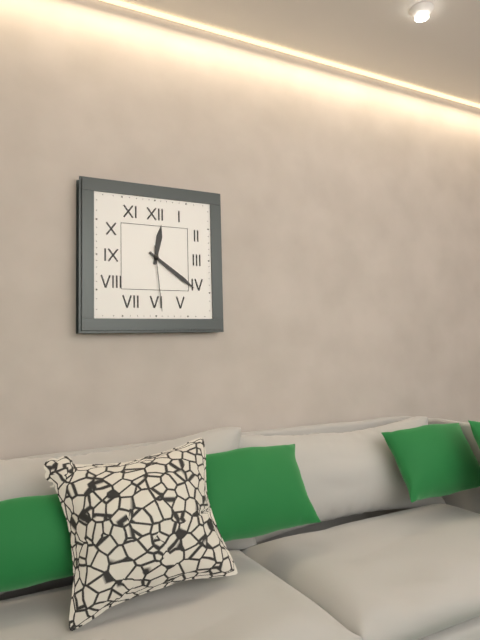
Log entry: 12:21:29
